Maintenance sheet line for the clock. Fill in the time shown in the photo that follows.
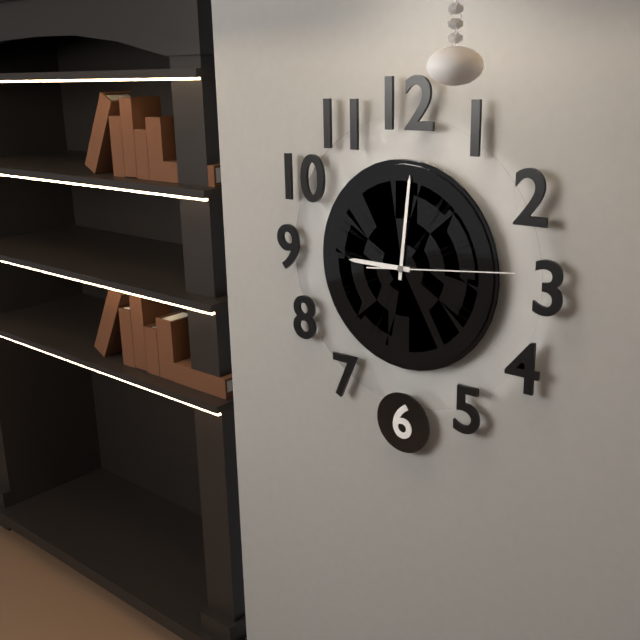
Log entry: 9:01:14
